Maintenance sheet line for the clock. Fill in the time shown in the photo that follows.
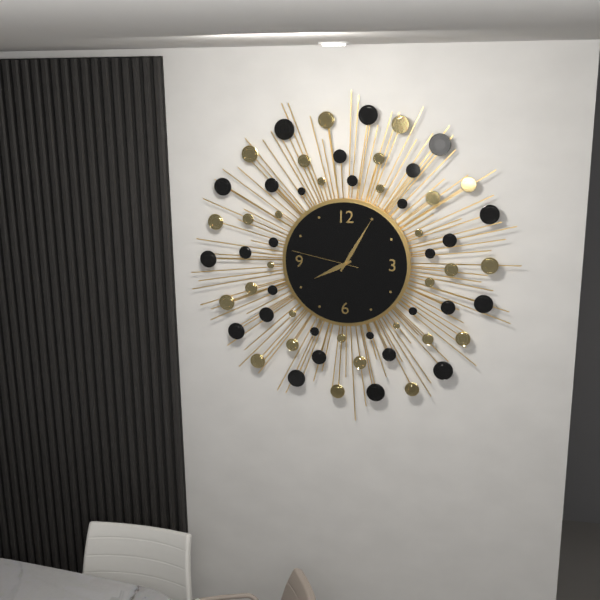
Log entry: 8:05:47
